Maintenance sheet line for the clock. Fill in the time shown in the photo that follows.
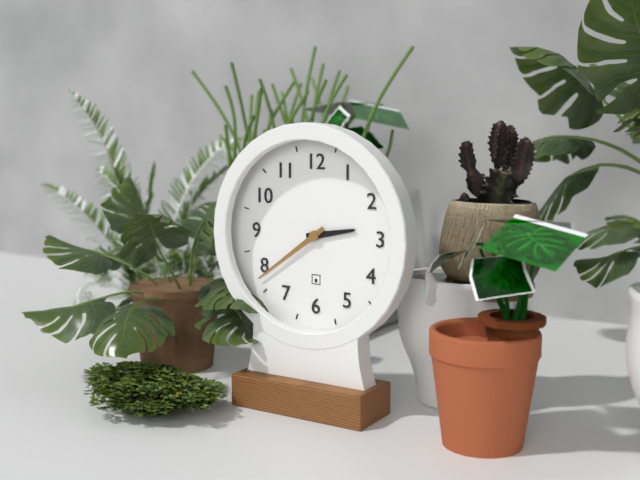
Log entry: 2:39
